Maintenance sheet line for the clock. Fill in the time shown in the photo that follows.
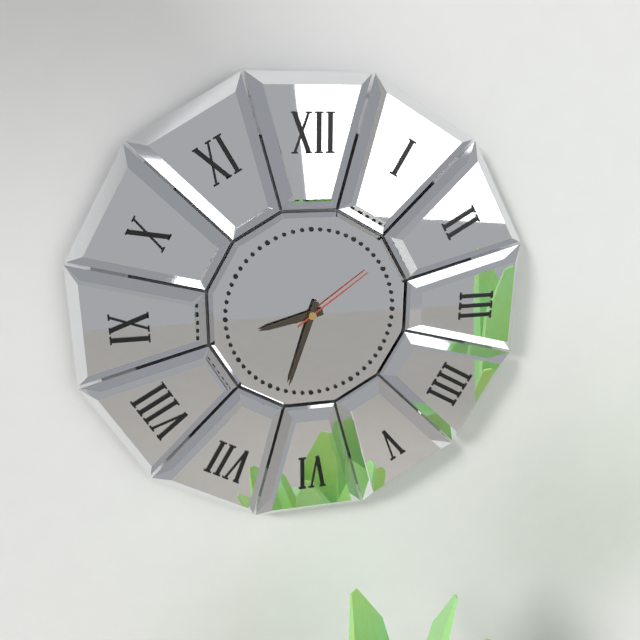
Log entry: 8:33:09
